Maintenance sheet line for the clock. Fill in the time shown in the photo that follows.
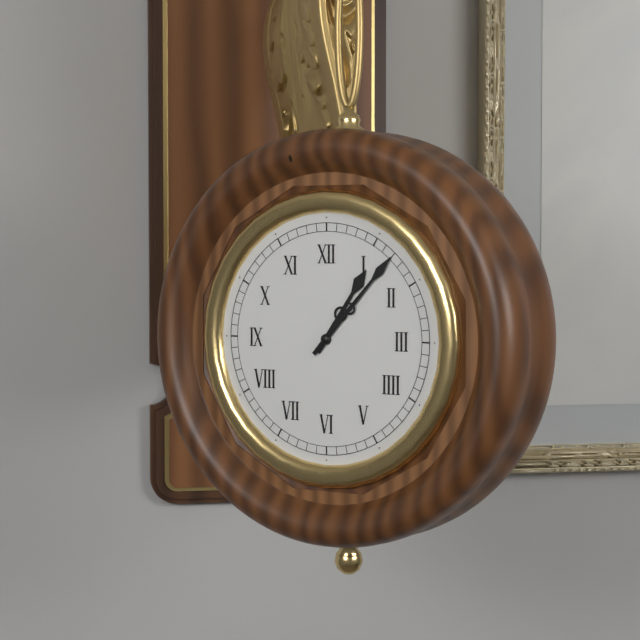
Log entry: 1:07
